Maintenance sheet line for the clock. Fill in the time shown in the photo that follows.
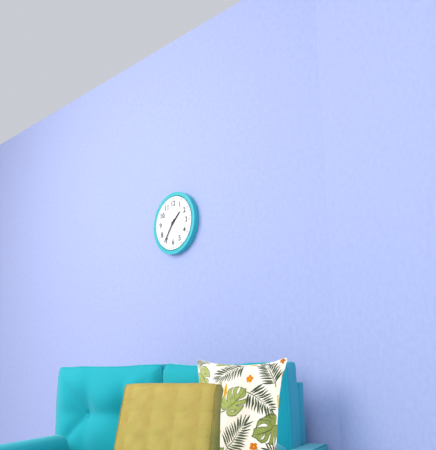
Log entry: 1:36
